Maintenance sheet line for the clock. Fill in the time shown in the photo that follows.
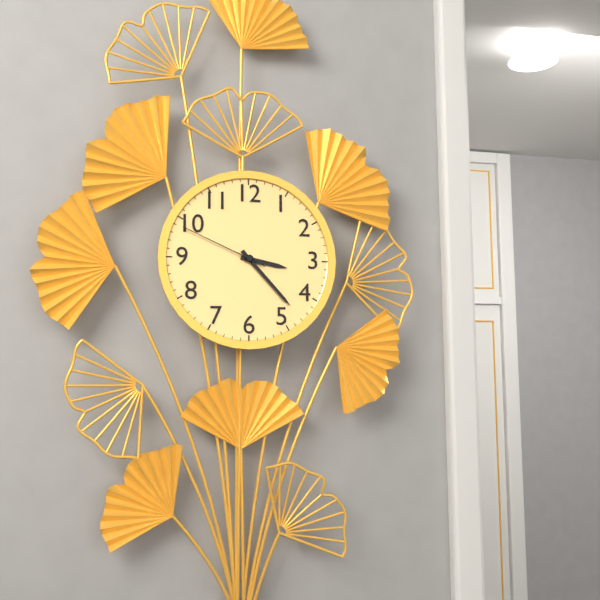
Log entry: 3:23:49
